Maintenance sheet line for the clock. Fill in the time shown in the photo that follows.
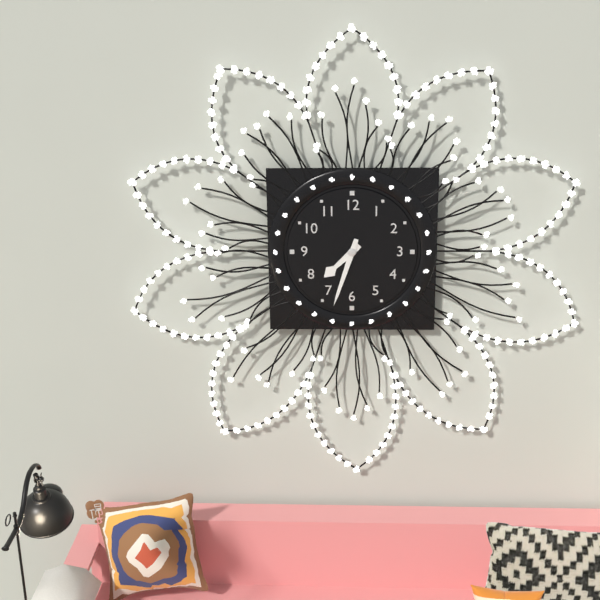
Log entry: 7:33
